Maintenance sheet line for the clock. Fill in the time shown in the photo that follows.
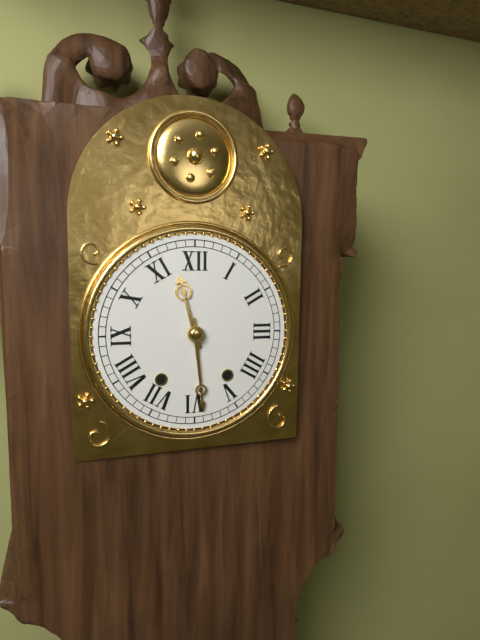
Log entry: 11:29
